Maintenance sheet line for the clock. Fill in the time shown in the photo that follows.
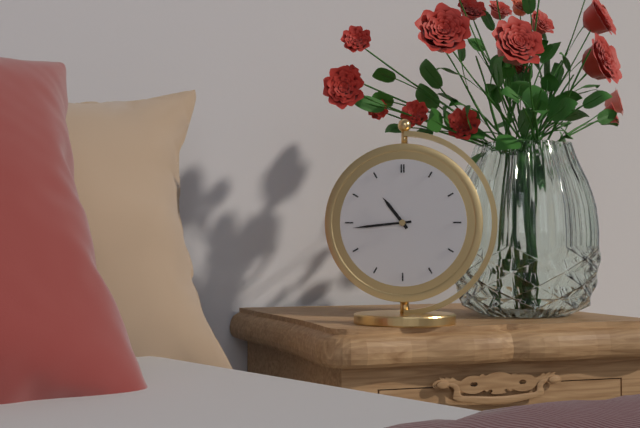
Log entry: 10:44
